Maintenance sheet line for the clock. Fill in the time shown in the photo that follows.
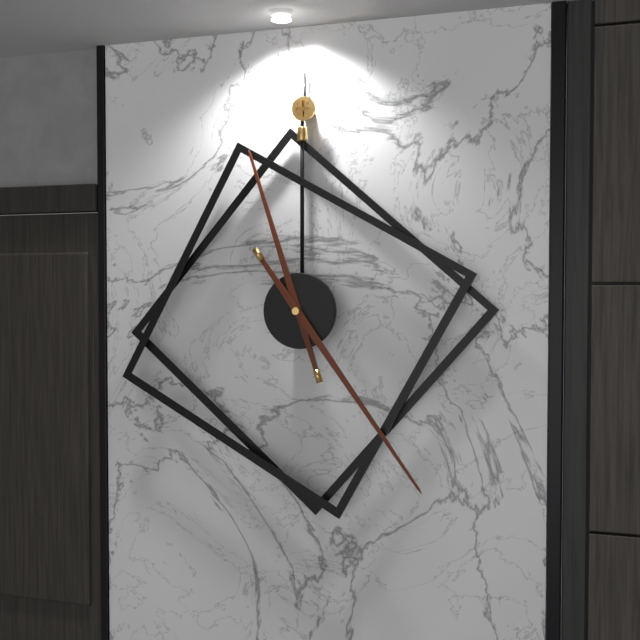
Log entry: 11:24
